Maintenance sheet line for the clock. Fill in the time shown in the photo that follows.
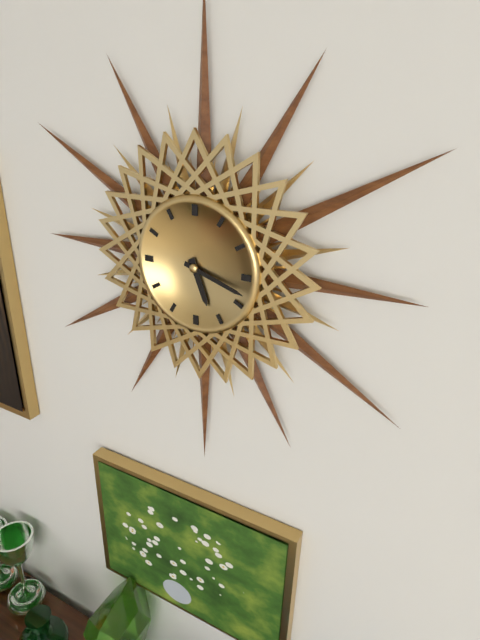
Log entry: 5:18
